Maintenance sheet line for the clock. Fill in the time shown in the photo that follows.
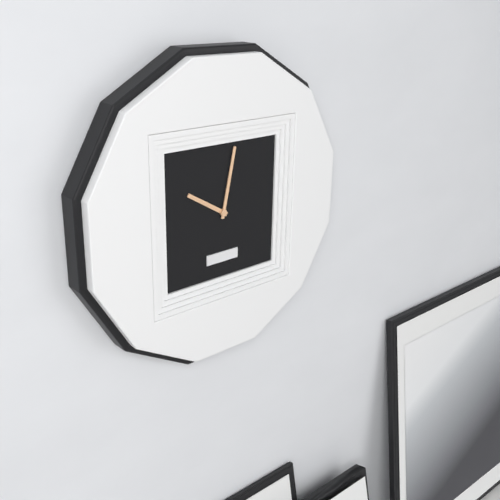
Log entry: 10:02
